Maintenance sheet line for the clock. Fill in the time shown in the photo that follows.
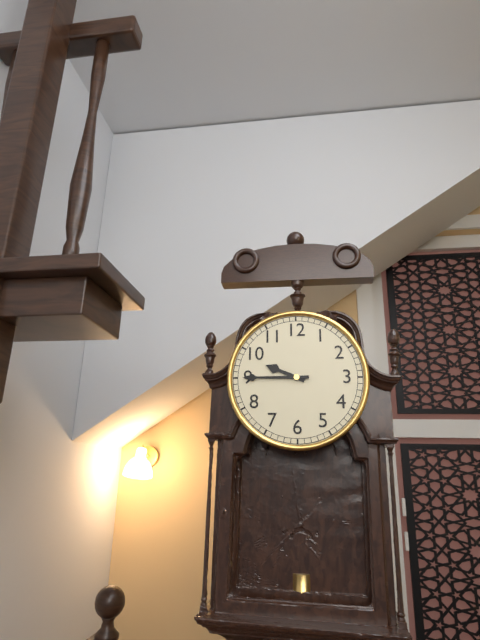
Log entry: 9:45
